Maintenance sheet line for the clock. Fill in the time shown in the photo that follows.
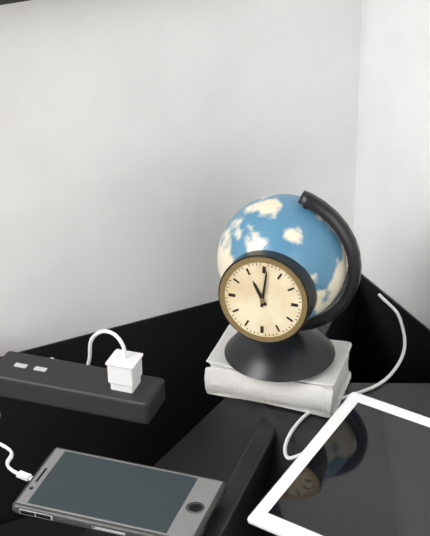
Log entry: 11:01
